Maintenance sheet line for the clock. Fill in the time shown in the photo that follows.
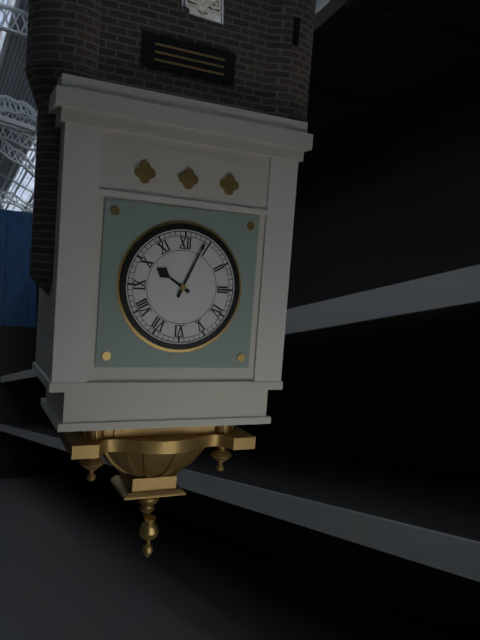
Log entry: 10:04
